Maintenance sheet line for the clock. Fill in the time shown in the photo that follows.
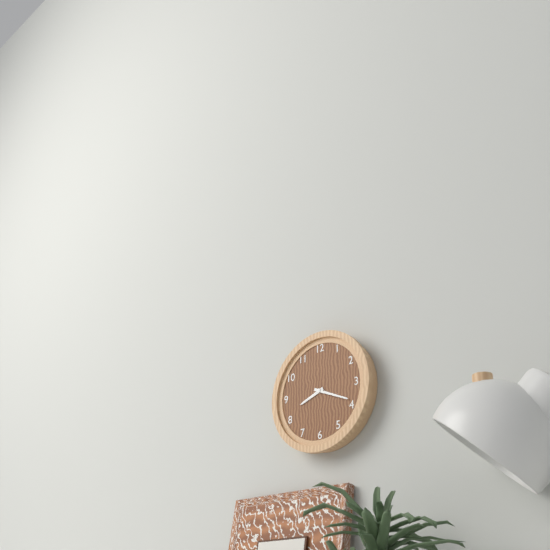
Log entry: 8:19
